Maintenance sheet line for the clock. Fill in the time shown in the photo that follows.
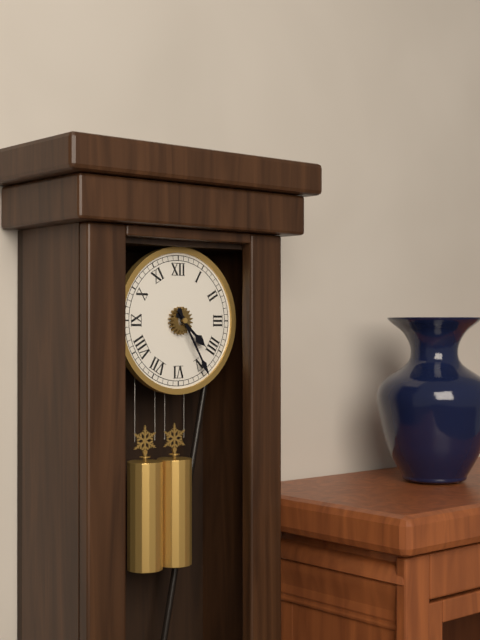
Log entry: 4:25
